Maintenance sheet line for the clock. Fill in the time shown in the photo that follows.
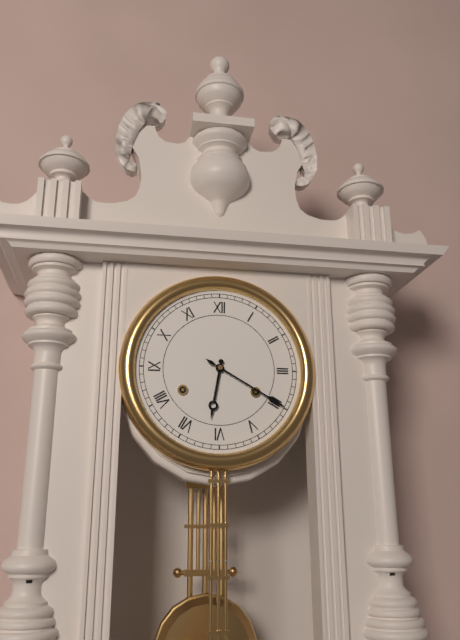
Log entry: 6:20
